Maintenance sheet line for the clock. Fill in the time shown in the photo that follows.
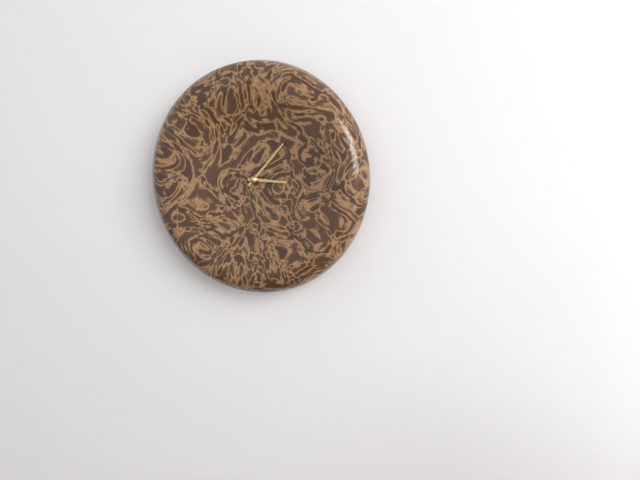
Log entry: 3:07
